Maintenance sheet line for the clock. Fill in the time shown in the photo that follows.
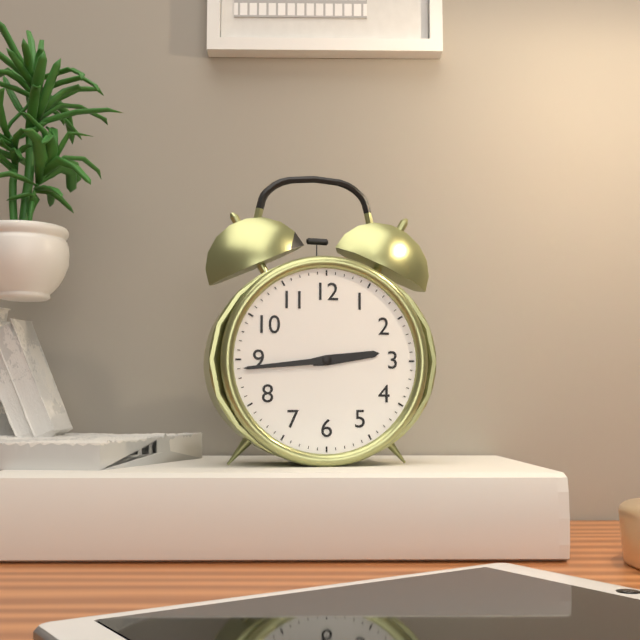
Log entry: 2:44
